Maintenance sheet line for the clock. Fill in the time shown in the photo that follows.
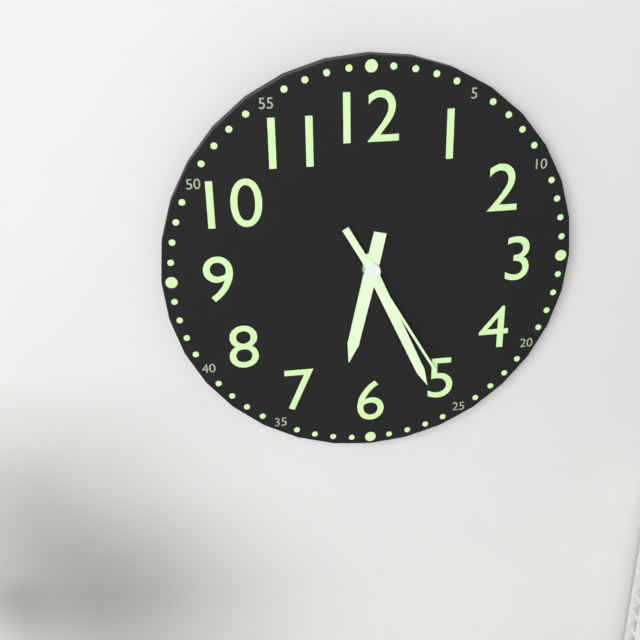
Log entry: 6:26:25
